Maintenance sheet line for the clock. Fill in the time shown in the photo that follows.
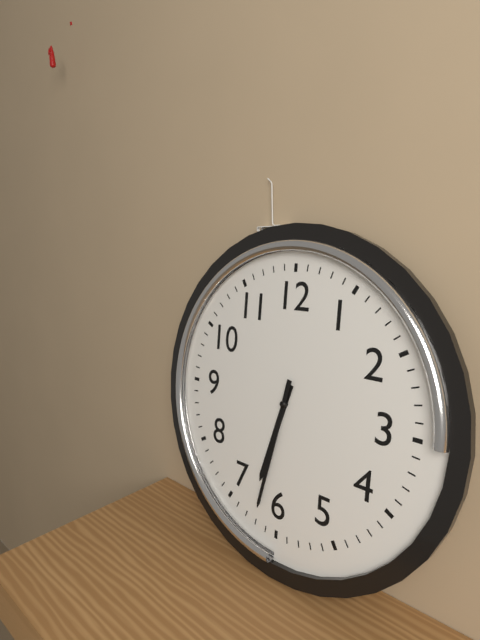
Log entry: 6:32
